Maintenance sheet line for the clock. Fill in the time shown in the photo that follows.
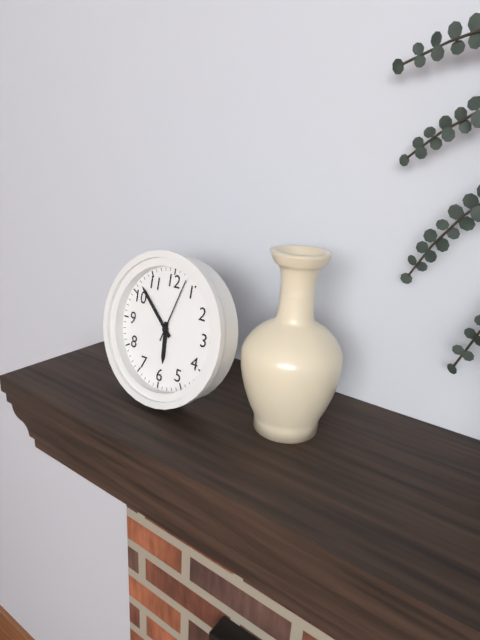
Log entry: 5:52:03
